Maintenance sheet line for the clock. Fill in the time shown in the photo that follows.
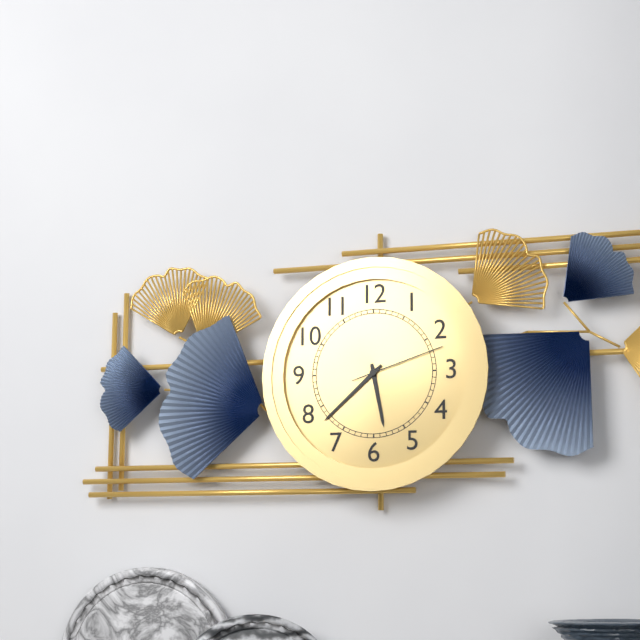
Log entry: 5:38:12
